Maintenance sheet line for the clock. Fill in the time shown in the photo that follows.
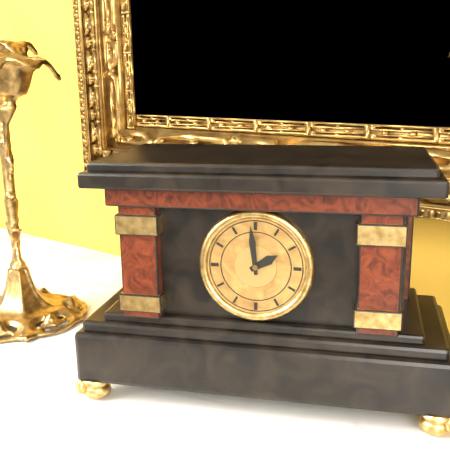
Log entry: 1:59
